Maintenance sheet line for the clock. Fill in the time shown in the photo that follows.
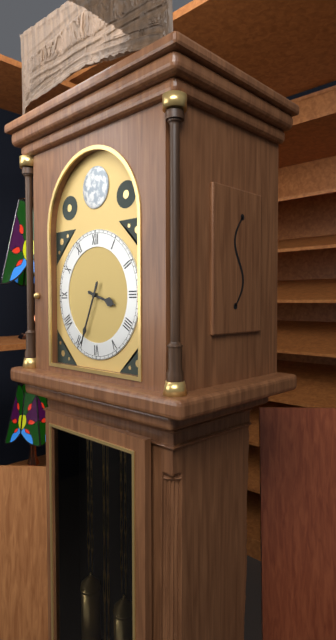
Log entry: 3:34
